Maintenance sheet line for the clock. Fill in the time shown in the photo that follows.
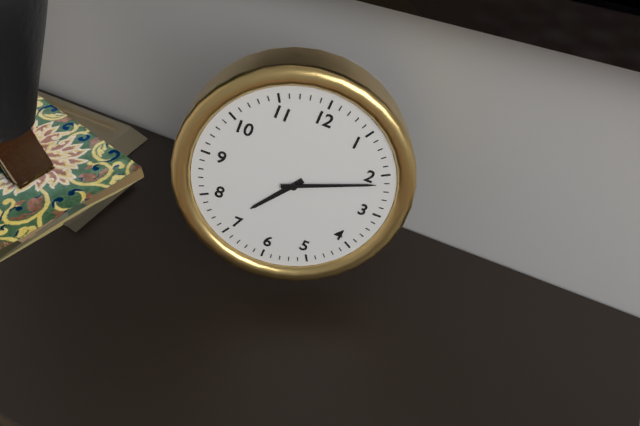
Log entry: 7:11
